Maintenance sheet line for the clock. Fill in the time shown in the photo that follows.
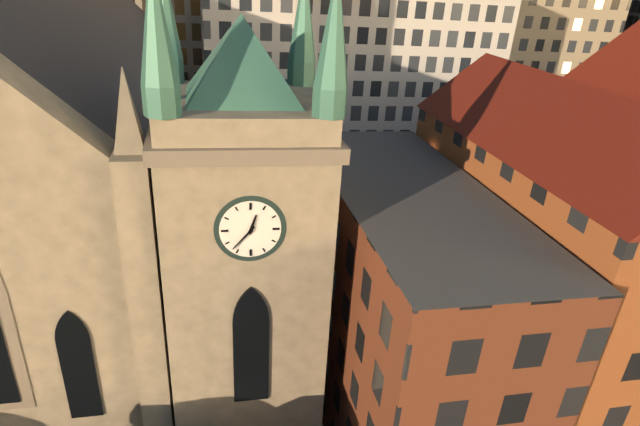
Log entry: 12:37
